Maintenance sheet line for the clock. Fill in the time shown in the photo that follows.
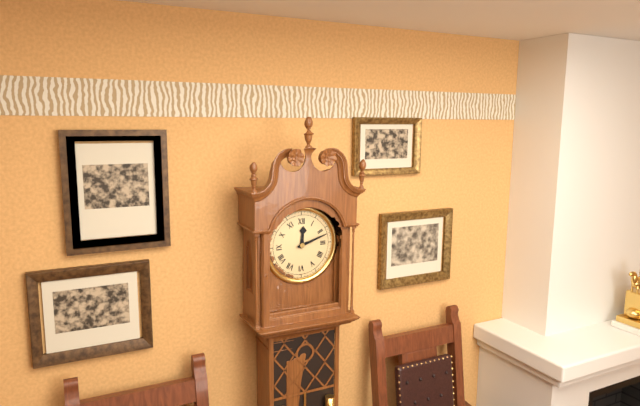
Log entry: 12:12
